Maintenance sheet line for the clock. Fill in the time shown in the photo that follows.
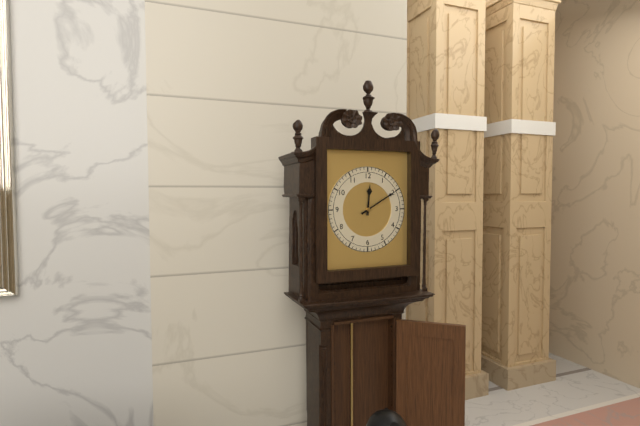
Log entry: 12:10
